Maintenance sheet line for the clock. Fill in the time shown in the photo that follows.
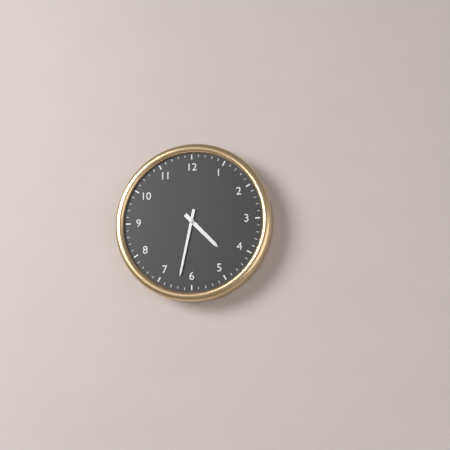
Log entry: 4:32
